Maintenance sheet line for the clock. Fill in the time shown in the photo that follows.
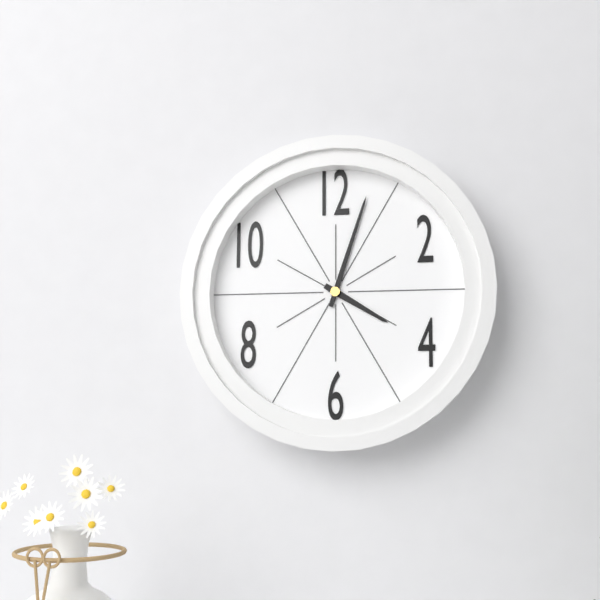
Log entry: 4:03
